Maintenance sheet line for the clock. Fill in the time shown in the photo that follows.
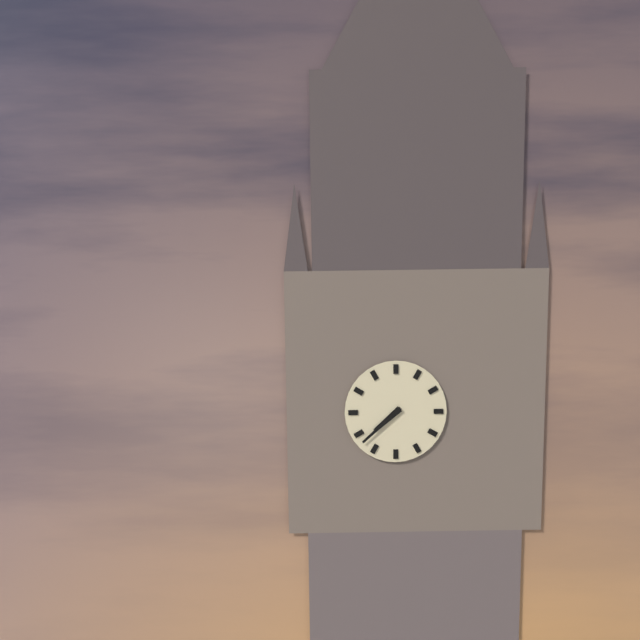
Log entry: 7:38
